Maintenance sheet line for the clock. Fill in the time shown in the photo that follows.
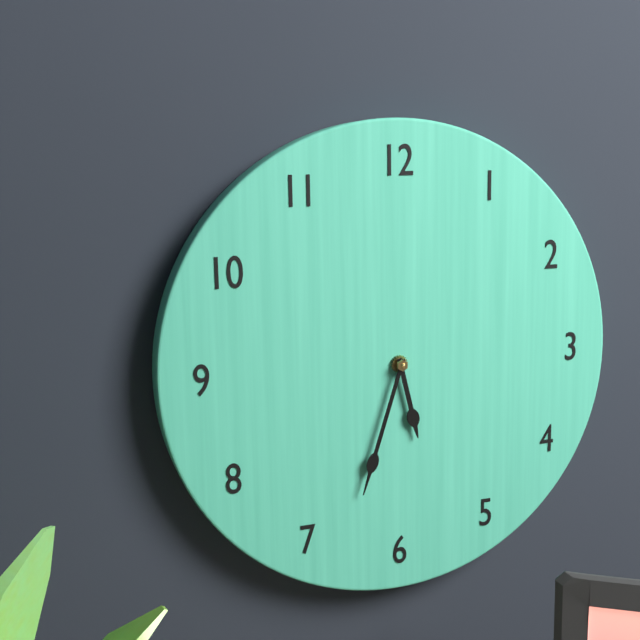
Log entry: 5:33
